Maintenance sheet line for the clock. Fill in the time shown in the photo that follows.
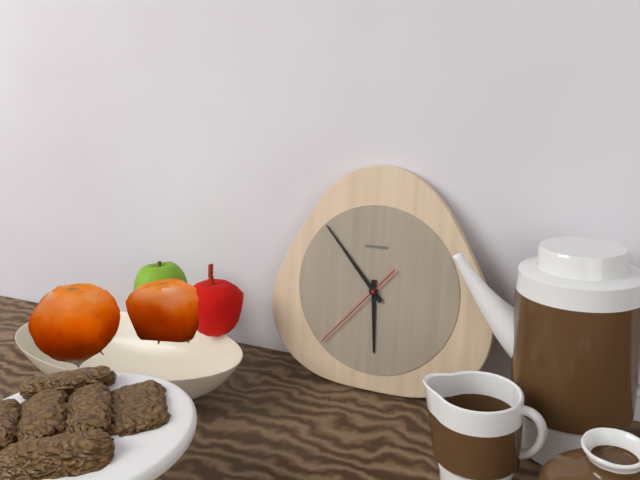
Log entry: 5:53:37
